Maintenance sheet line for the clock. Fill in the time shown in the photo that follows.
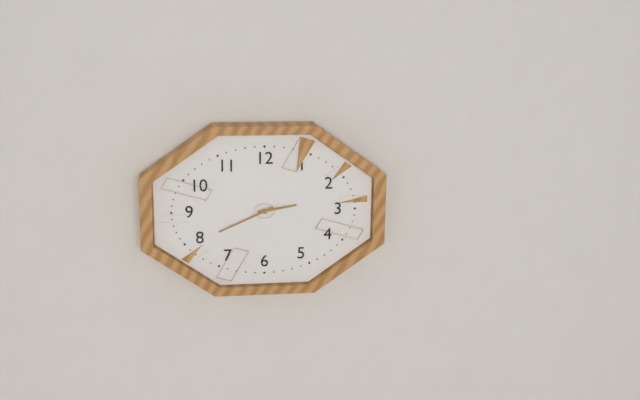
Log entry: 2:41
